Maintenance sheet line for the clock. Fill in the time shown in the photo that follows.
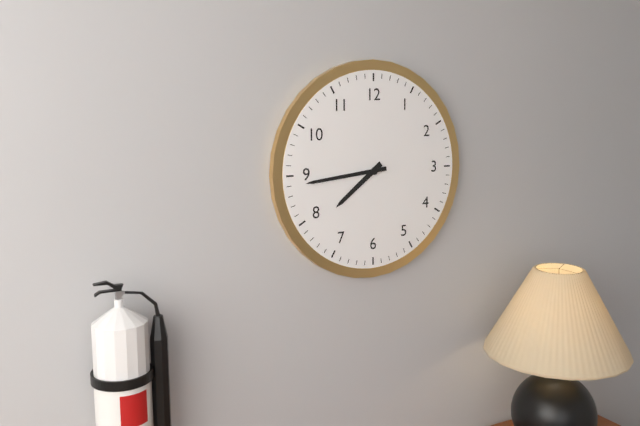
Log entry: 7:44
